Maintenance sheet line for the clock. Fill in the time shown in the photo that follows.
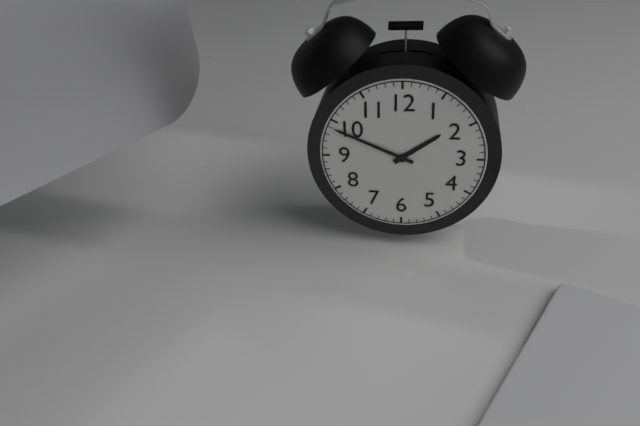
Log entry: 1:49
